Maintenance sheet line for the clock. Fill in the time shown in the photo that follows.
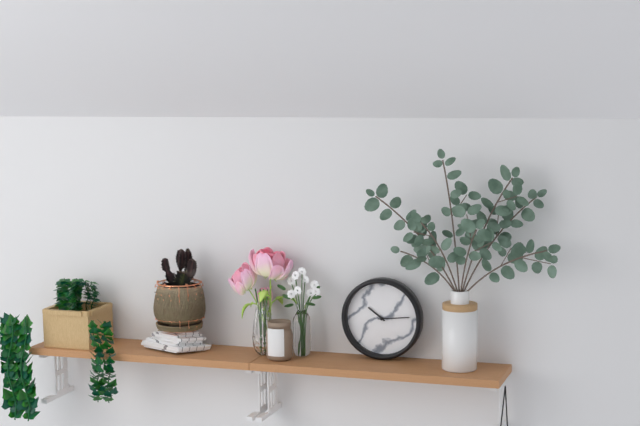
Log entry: 10:14
